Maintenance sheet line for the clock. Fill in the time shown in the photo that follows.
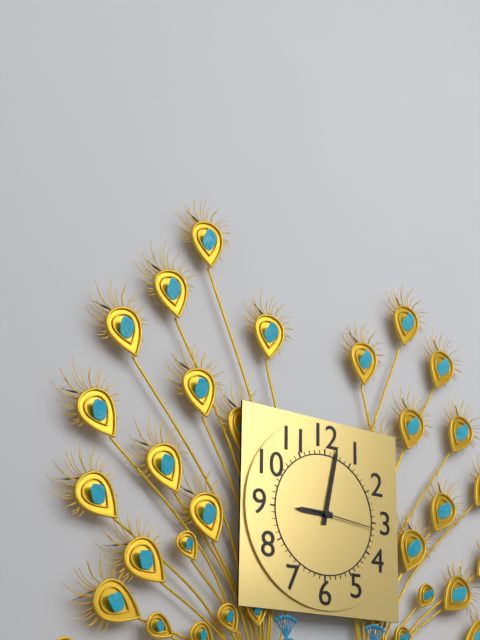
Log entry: 9:02:16
